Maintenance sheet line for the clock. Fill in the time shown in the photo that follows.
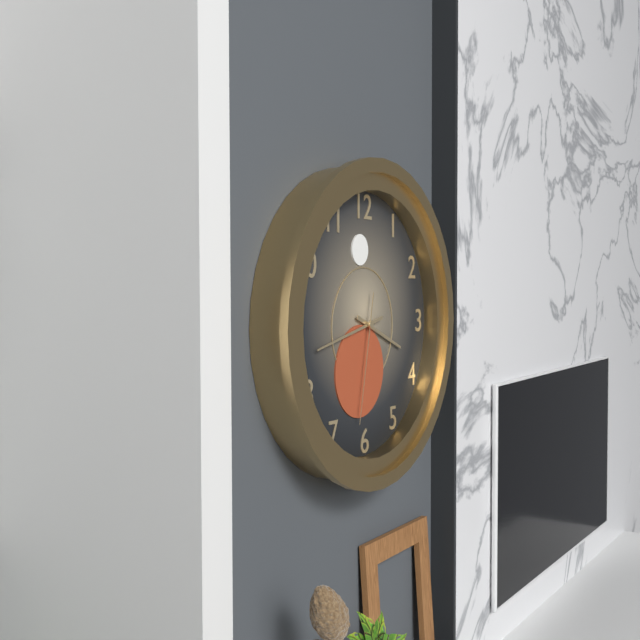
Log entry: 3:43:32
